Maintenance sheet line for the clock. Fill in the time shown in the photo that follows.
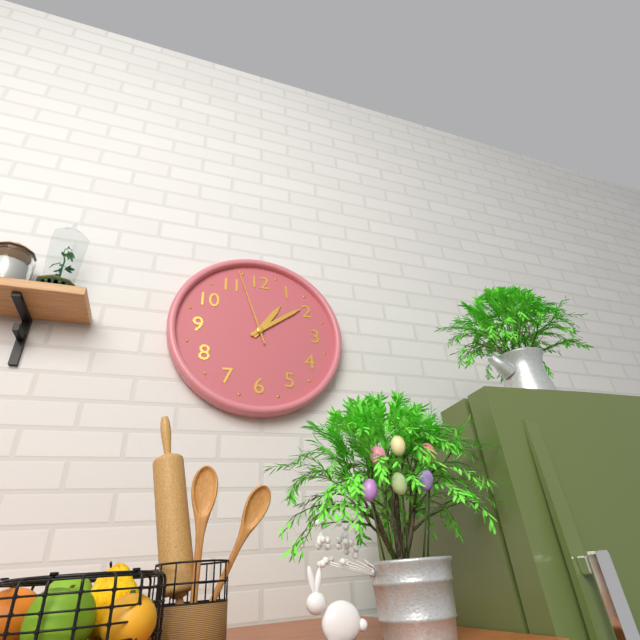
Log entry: 1:09:57
